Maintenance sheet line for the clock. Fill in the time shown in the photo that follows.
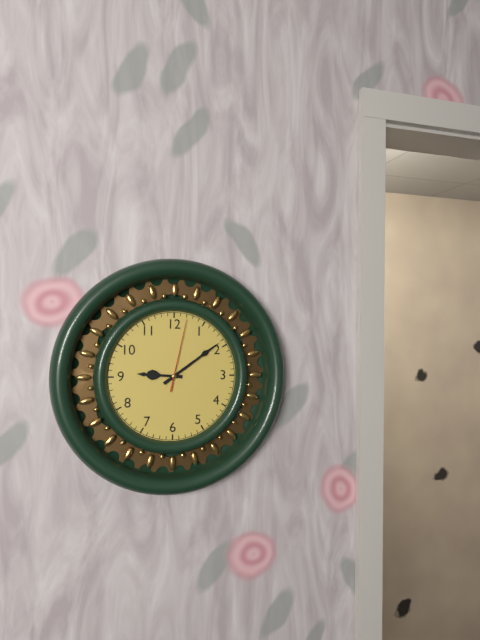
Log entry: 9:09:02
